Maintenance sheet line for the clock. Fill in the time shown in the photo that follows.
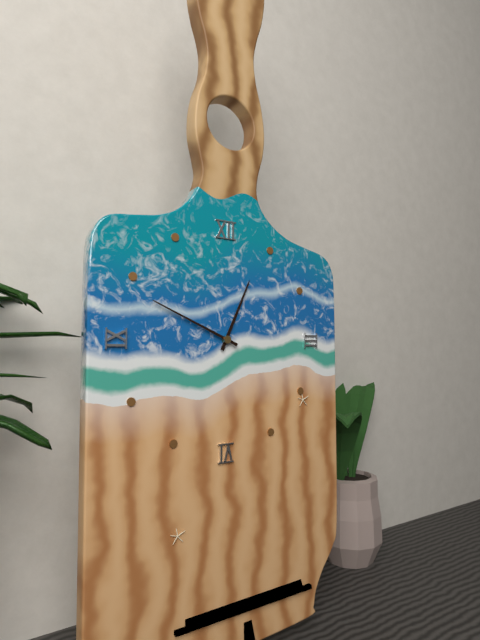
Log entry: 12:49
